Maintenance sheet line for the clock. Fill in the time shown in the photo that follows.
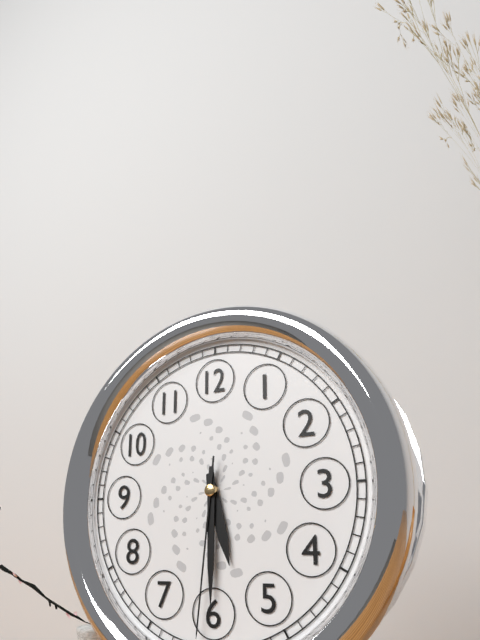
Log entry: 5:30:31
